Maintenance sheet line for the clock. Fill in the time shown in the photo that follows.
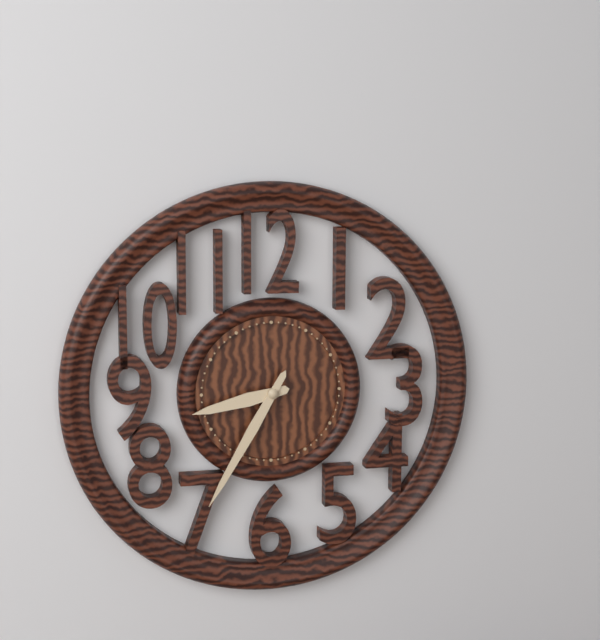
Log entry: 8:35
